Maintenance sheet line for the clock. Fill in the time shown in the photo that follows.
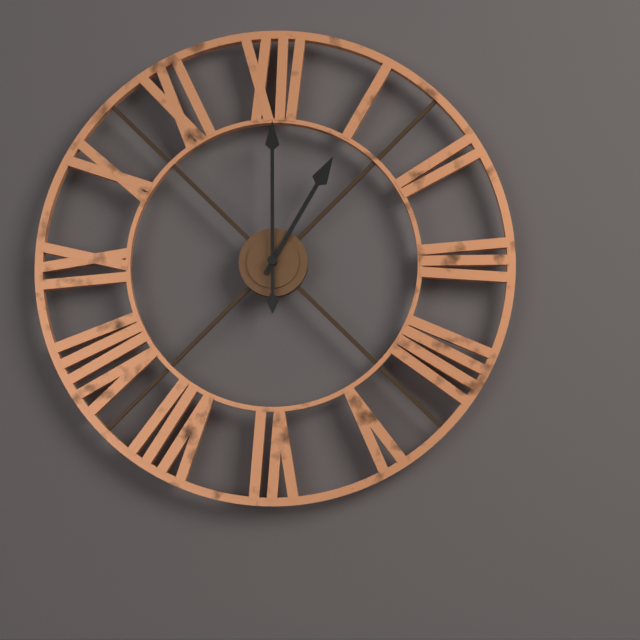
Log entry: 1:00
